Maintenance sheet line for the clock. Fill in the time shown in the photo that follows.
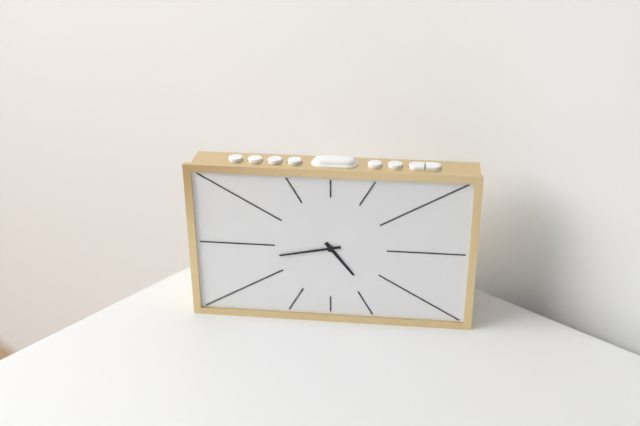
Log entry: 4:43
